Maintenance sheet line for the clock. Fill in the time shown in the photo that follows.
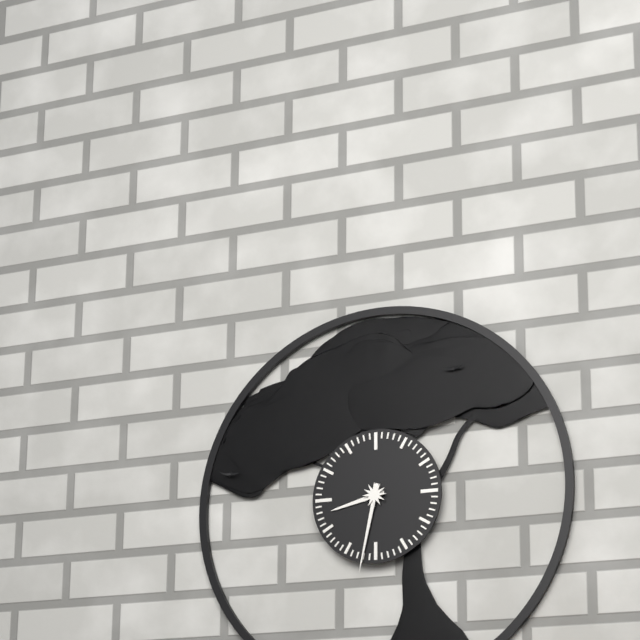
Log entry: 8:32
